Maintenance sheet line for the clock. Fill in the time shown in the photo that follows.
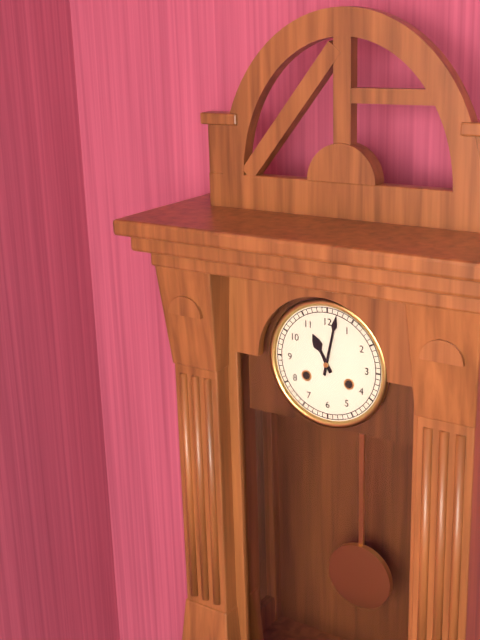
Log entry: 11:02
